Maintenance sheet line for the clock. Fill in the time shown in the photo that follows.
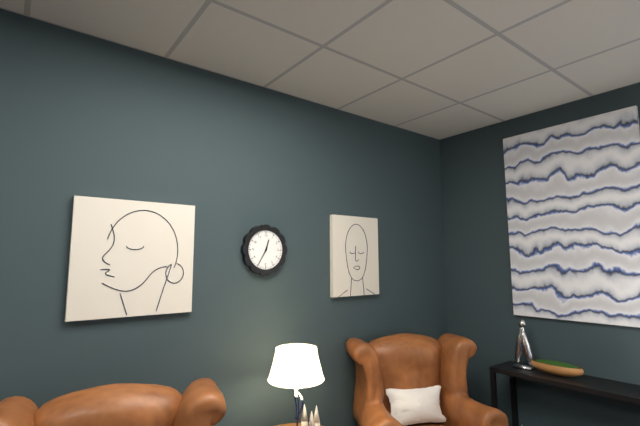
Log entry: 12:35
